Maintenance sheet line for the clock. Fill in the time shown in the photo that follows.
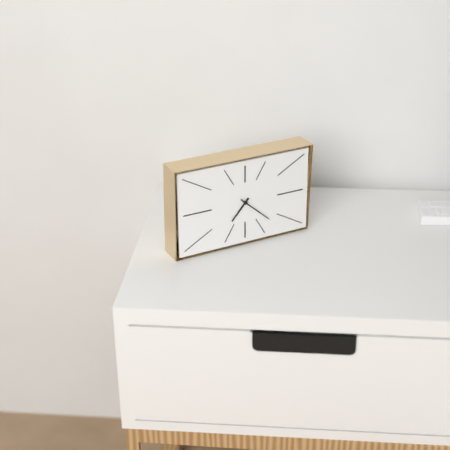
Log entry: 7:22
